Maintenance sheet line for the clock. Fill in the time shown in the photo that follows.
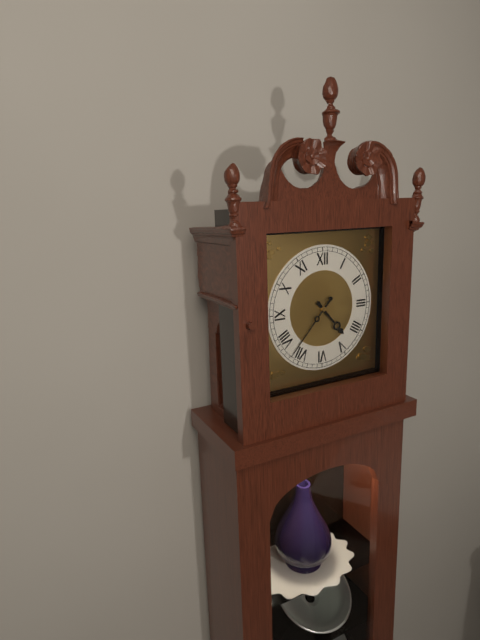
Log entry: 4:37
